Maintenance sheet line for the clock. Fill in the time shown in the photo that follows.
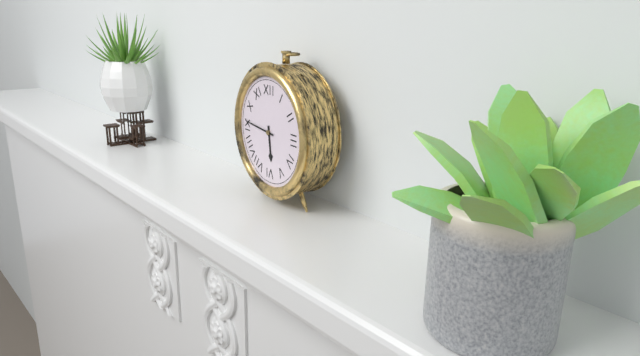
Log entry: 5:46
